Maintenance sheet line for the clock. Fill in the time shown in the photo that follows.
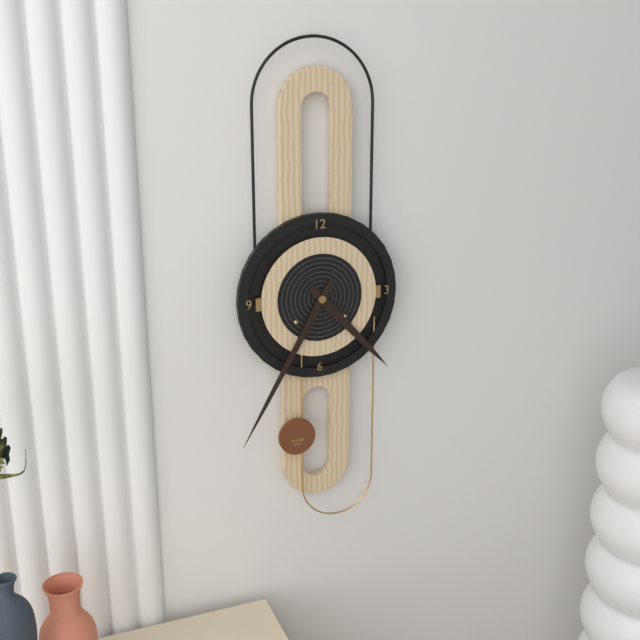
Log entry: 4:35
